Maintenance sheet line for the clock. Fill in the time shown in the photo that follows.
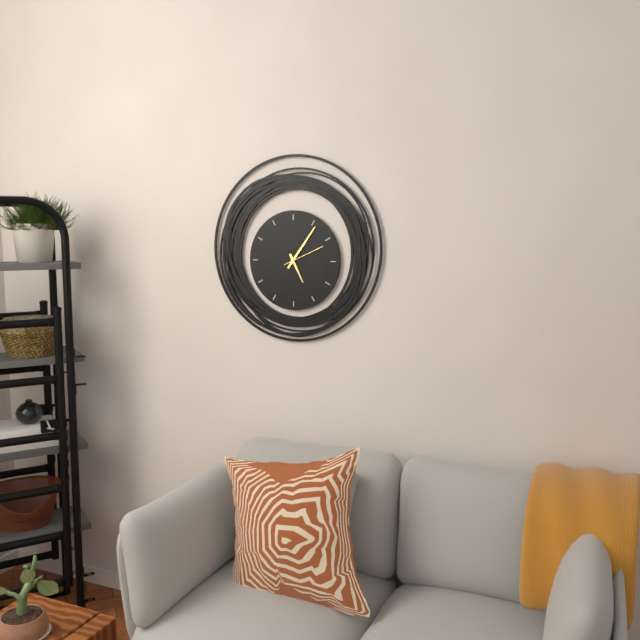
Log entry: 5:06
